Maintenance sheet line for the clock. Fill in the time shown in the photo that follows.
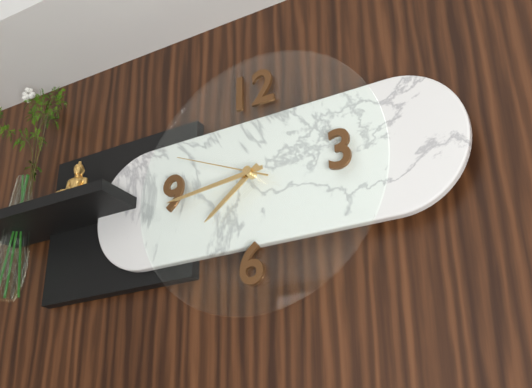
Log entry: 7:44:49
